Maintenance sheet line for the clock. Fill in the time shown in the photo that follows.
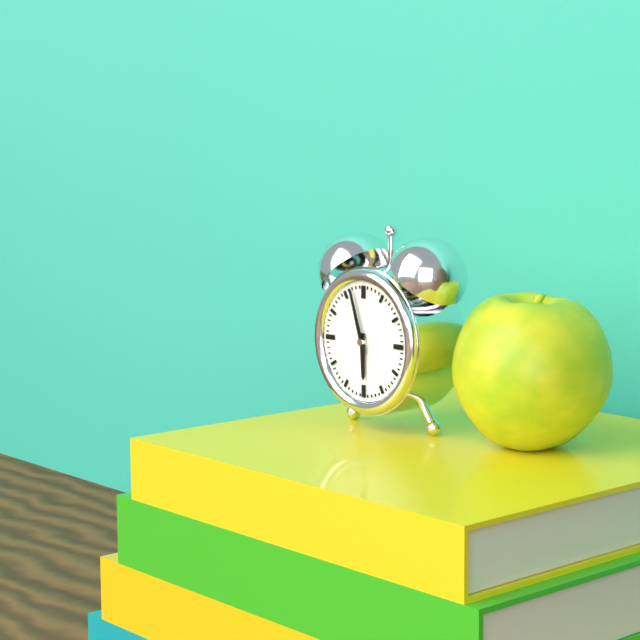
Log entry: 5:57
